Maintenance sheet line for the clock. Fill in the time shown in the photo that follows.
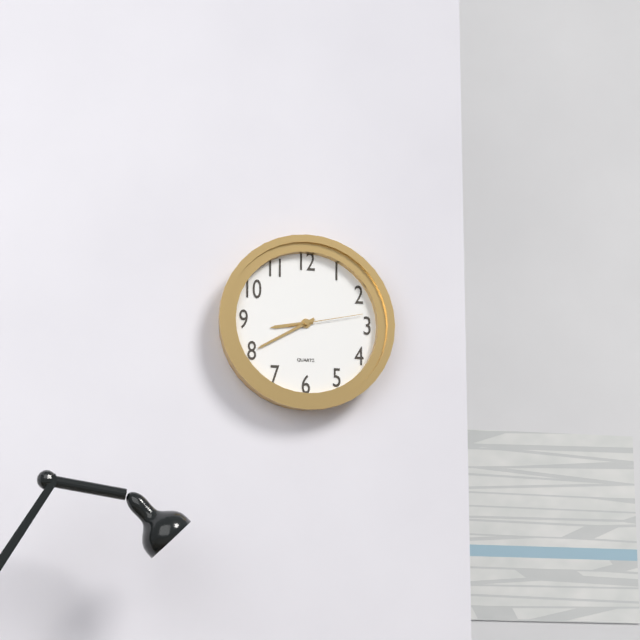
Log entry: 8:40:13
